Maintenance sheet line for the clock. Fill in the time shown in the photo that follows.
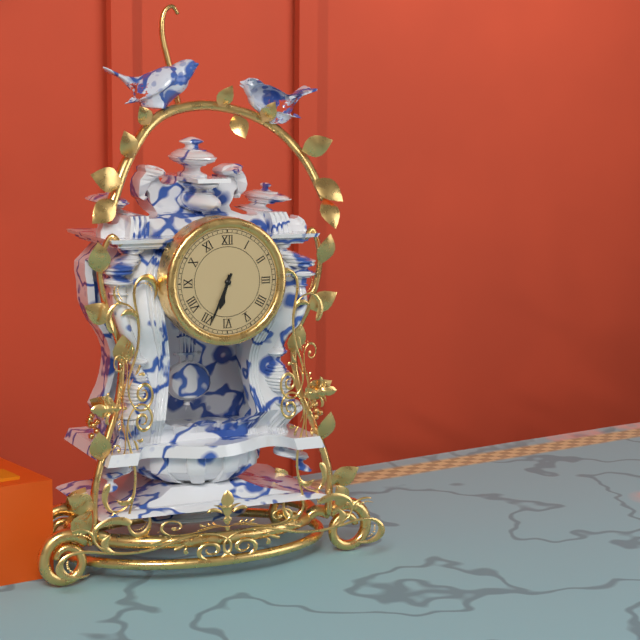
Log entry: 6:34
